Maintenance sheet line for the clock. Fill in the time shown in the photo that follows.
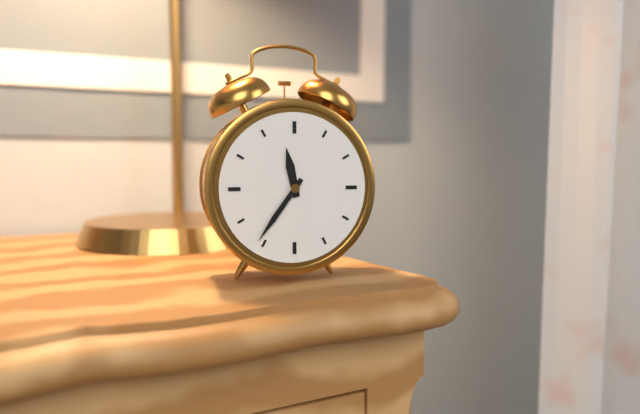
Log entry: 11:36
